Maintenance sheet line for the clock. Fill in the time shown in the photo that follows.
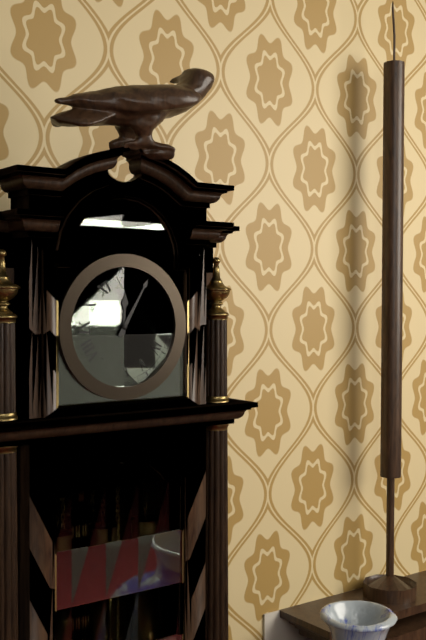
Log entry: 12:05
